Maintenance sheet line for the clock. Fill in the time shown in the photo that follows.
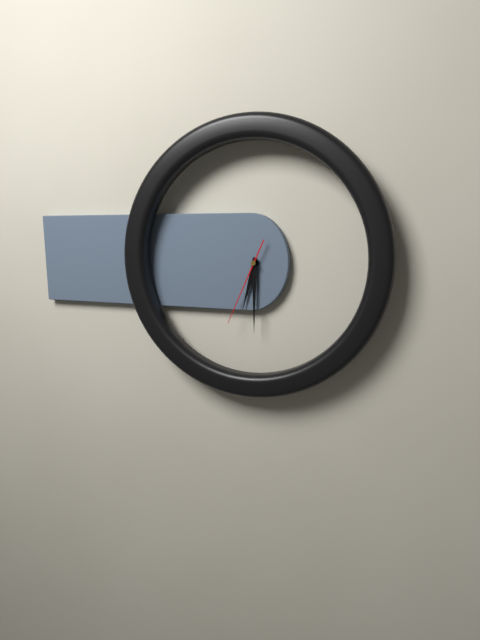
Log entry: 6:30:34
